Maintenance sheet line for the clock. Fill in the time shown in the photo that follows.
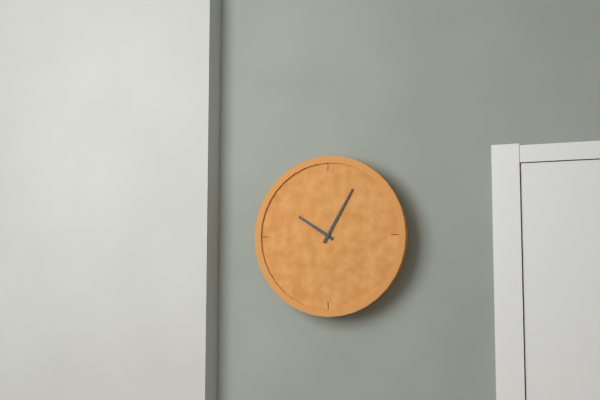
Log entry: 10:05
